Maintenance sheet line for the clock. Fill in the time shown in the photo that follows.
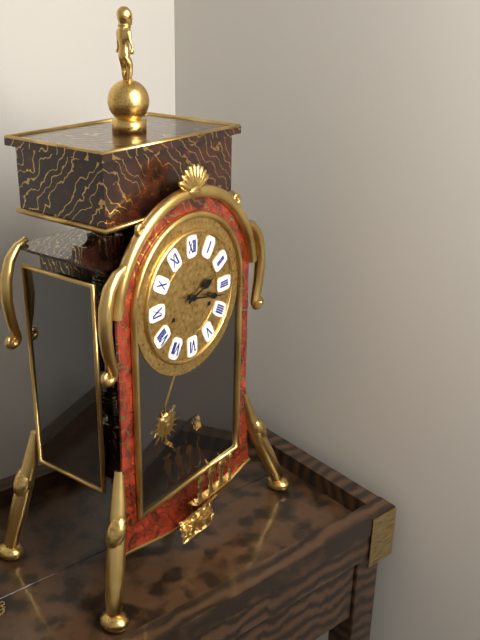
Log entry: 2:17
